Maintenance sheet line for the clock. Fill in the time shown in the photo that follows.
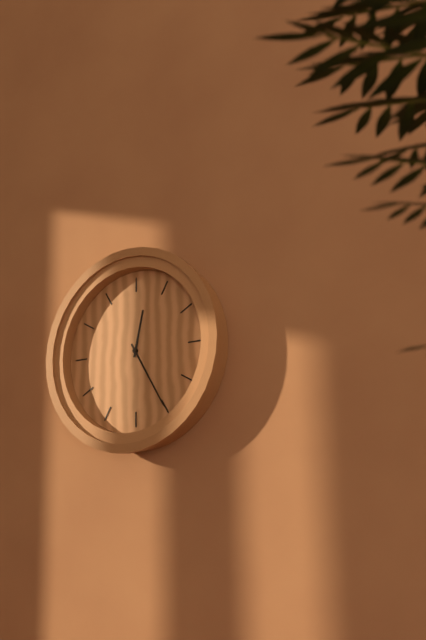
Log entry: 12:25
